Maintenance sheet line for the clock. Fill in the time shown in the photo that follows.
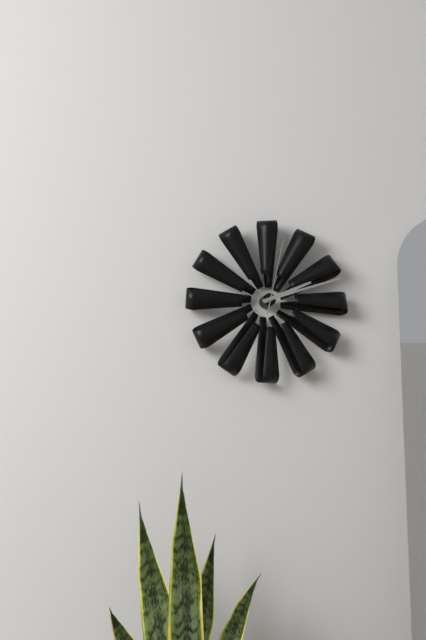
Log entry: 2:12:02
